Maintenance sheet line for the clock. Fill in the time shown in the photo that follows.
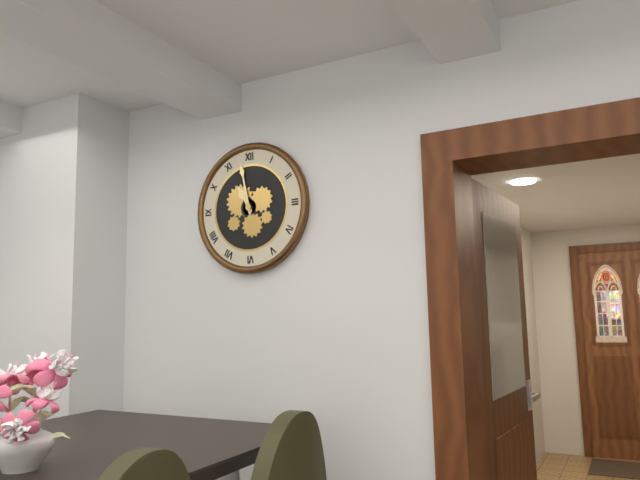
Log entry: 10:58
